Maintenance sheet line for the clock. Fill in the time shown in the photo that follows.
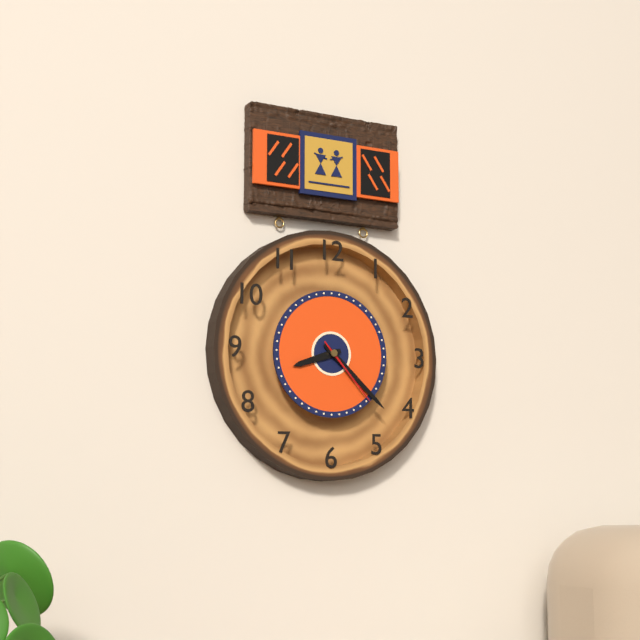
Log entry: 8:22:23
